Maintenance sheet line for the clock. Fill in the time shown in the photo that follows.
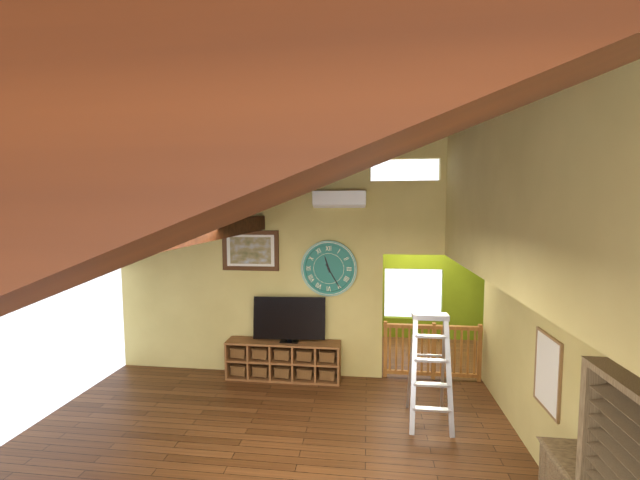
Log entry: 11:25
